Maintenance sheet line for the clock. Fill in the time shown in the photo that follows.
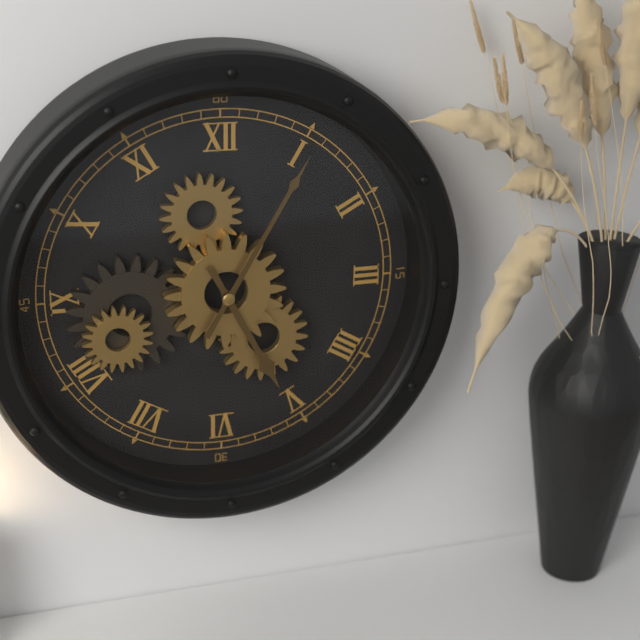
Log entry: 5:05
